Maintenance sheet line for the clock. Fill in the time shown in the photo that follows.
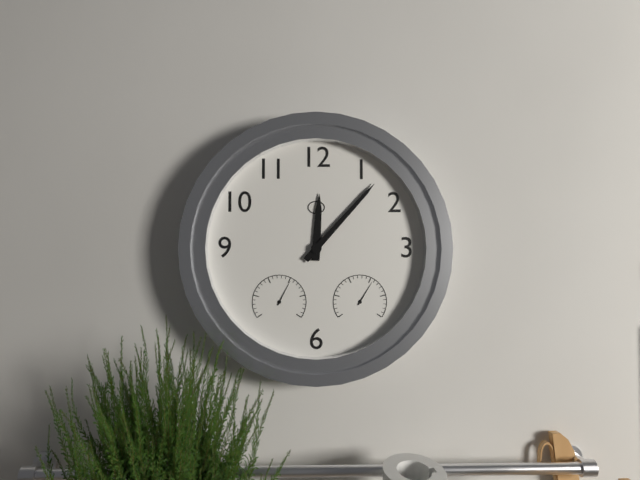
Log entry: 12:07
